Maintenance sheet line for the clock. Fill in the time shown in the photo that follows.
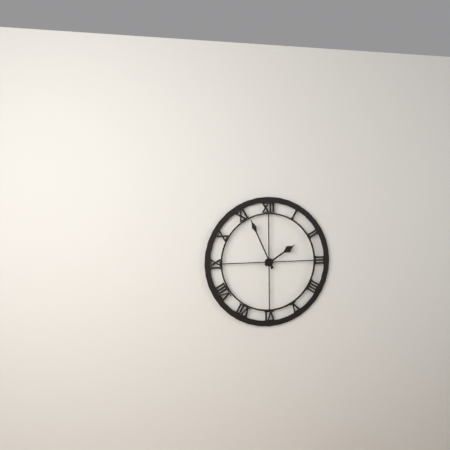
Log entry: 1:56
